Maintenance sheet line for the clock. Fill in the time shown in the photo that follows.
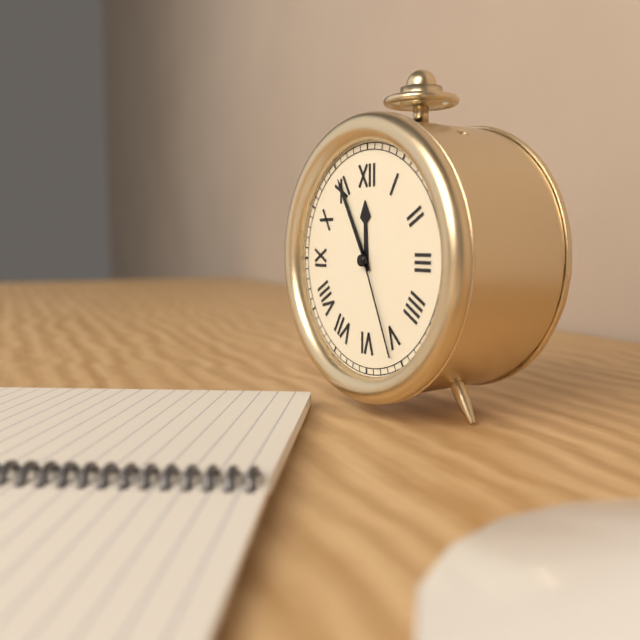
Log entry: 11:55:26
